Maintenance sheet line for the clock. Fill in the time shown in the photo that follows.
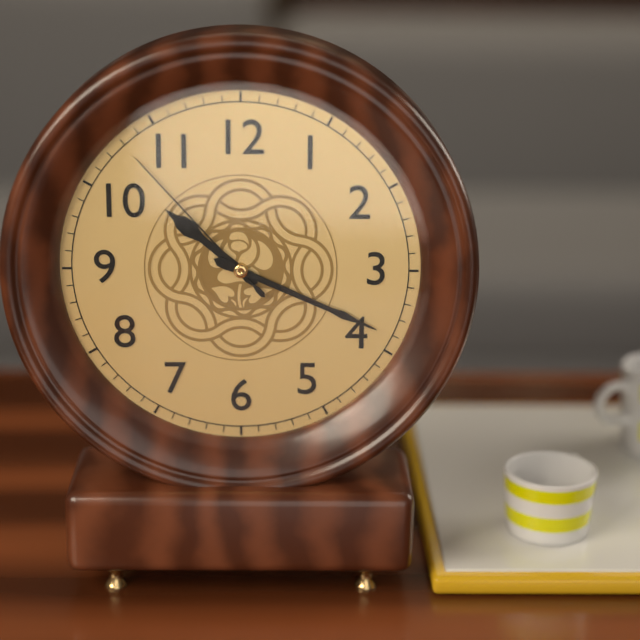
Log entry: 10:19:53
